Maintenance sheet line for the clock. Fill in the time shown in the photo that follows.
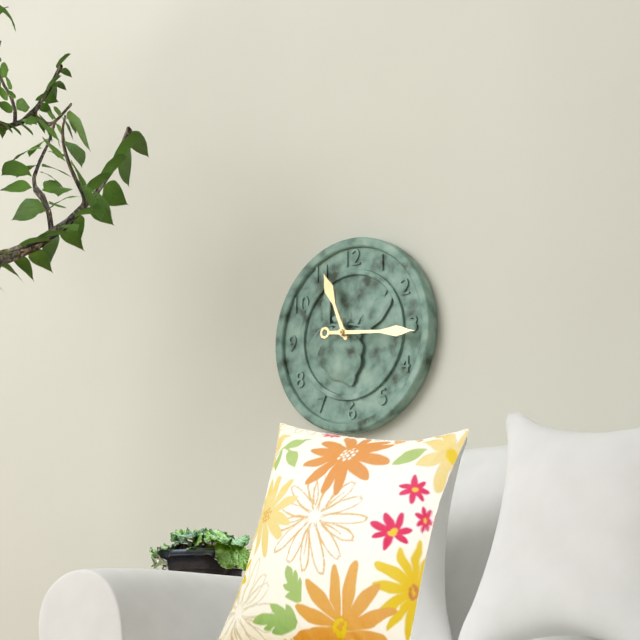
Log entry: 11:16
